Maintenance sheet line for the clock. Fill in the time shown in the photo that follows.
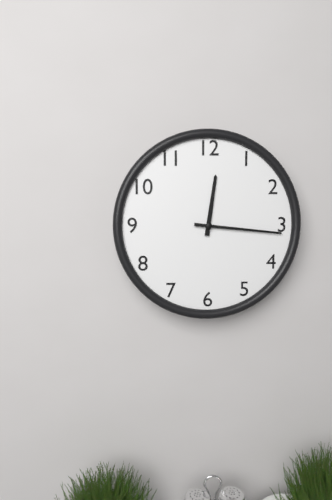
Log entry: 12:16
